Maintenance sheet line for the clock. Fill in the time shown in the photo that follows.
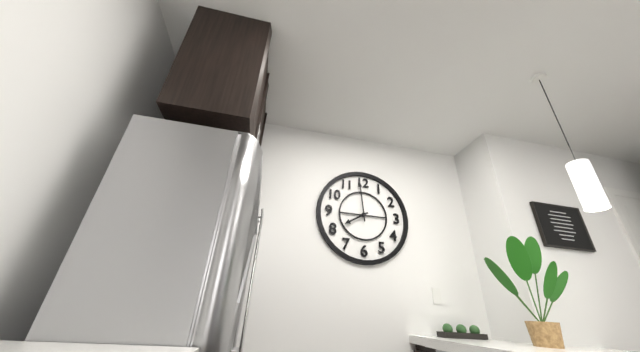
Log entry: 7:59
